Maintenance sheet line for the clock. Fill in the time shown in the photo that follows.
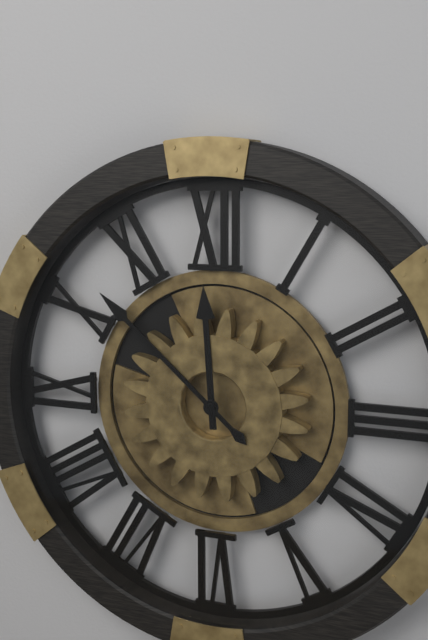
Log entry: 11:52
